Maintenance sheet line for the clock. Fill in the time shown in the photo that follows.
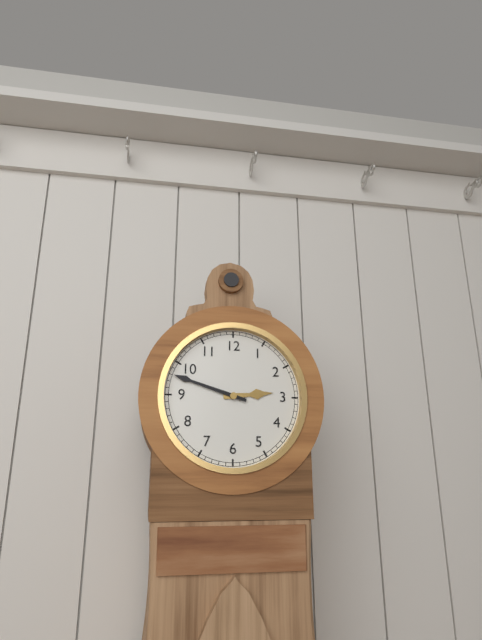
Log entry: 2:48
